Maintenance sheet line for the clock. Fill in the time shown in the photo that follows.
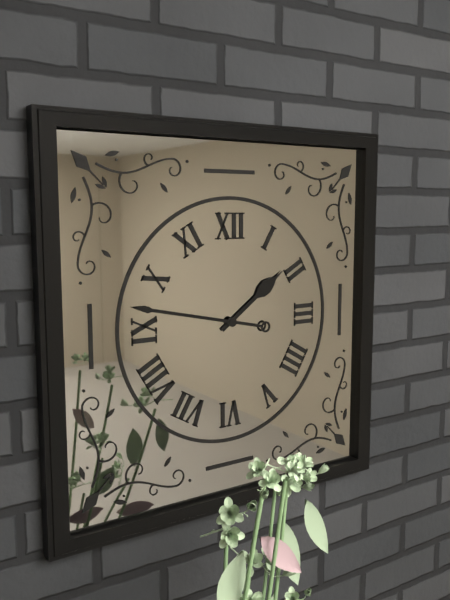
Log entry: 1:47
